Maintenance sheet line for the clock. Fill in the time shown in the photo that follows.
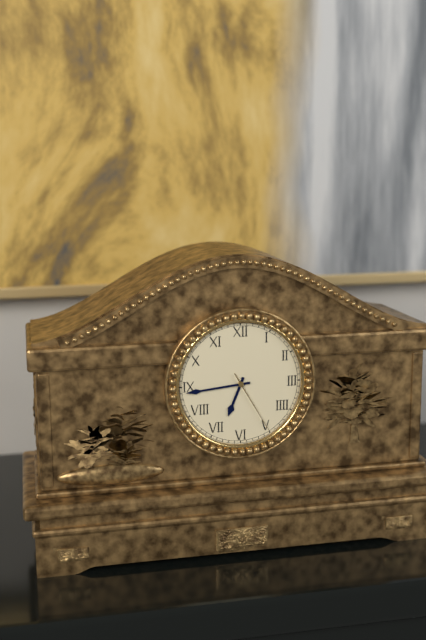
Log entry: 6:44:25
